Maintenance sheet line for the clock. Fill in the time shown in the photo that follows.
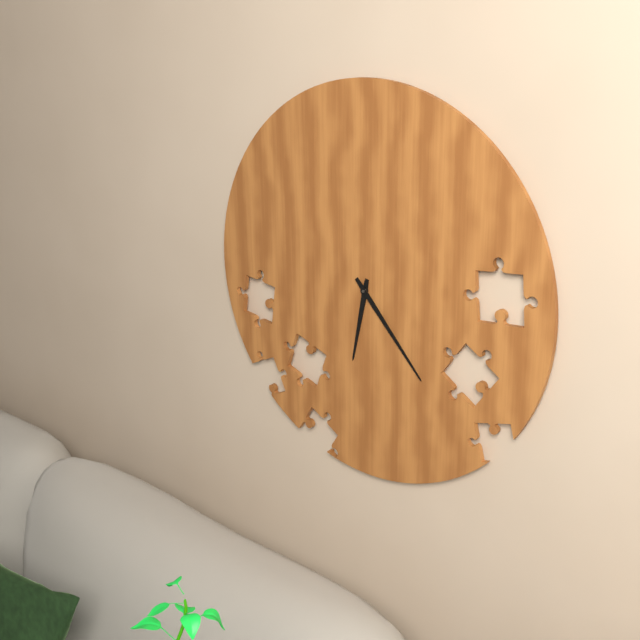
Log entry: 6:23
